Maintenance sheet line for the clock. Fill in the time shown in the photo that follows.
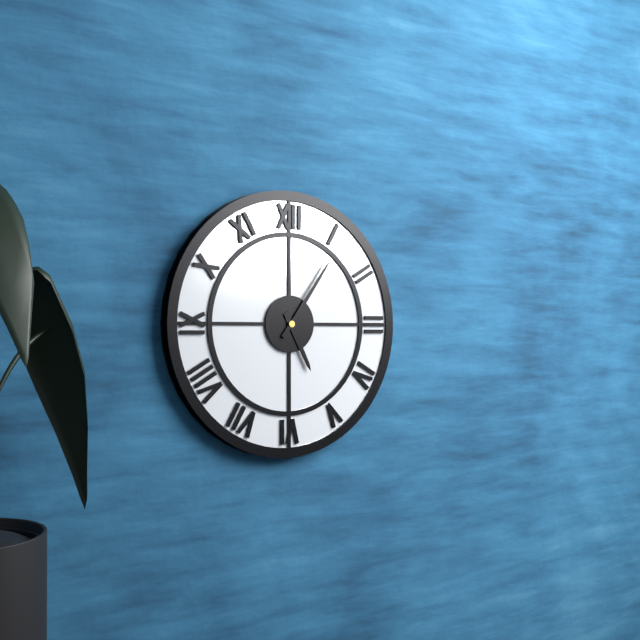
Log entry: 5:06
